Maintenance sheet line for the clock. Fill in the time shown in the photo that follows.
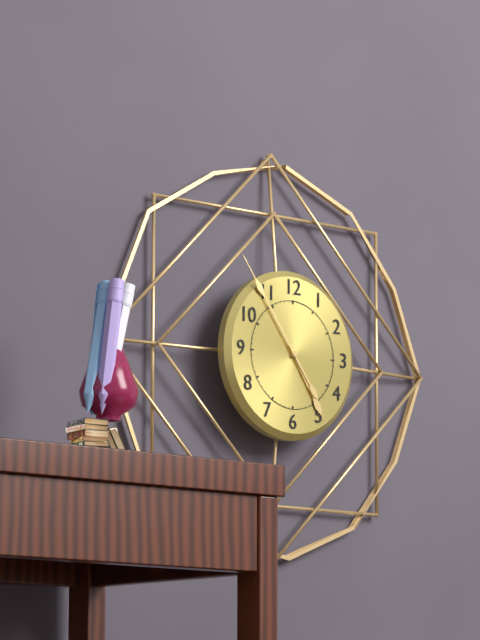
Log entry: 4:54
